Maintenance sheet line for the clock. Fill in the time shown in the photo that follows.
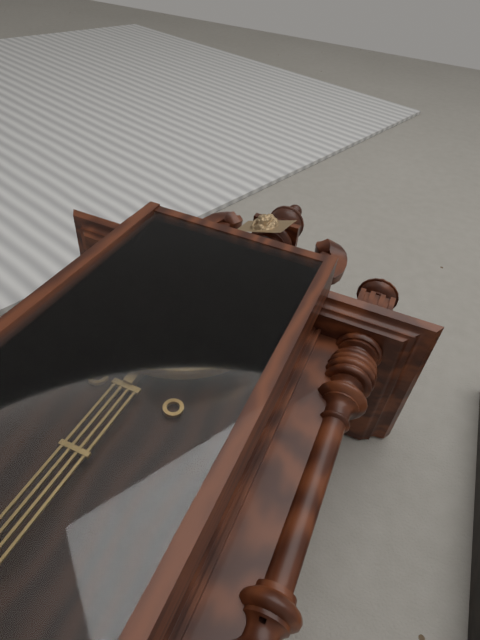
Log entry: 2:10
